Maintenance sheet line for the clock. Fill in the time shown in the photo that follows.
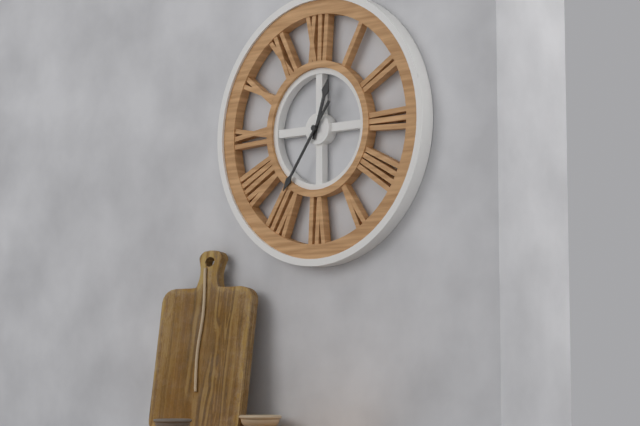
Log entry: 12:36
